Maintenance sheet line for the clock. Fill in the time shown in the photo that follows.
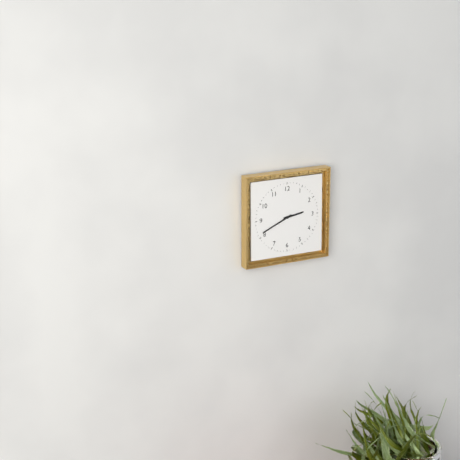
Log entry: 2:41
